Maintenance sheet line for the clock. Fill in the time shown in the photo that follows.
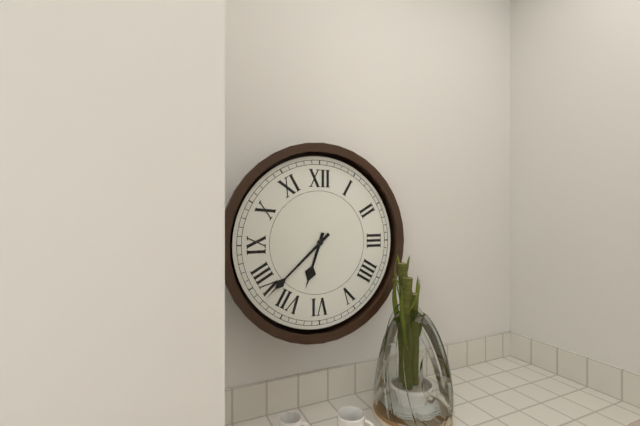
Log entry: 6:38
